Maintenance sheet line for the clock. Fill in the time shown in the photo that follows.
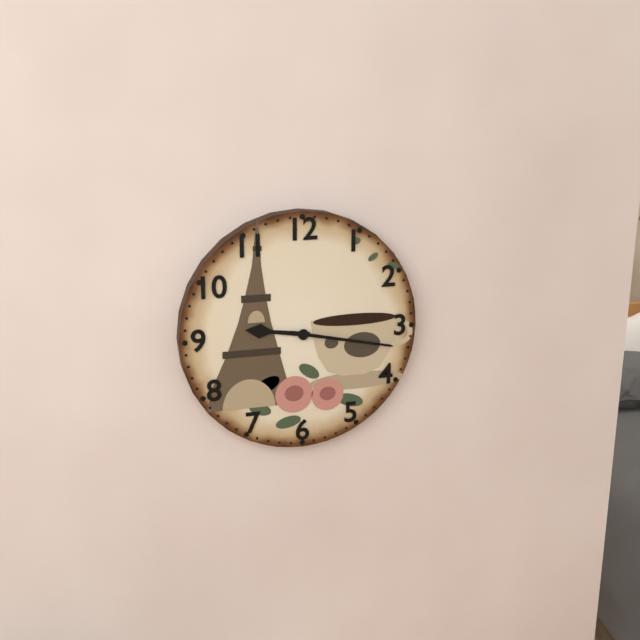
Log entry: 9:17
